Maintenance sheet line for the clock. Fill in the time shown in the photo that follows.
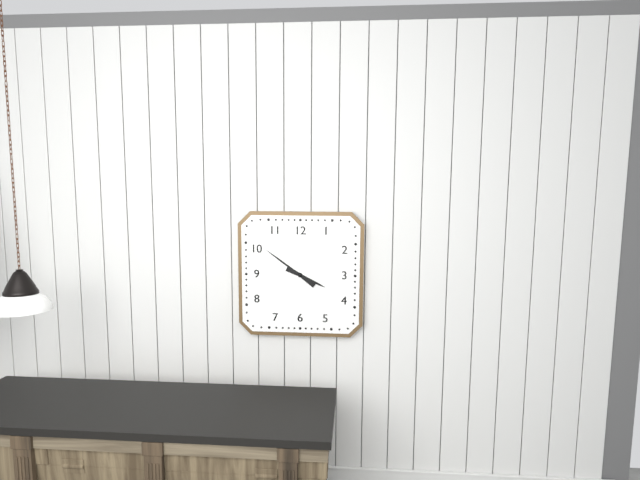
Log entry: 3:51
